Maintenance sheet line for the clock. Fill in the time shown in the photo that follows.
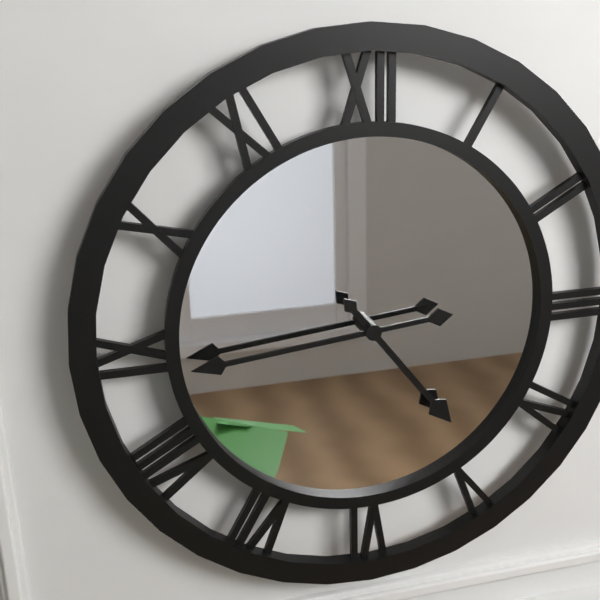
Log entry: 4:44
